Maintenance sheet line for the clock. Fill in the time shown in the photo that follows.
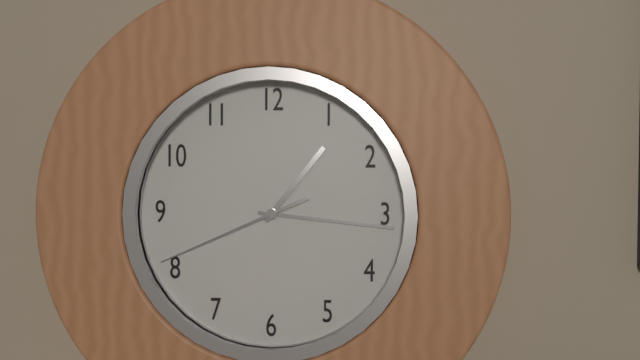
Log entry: 1:16:41
